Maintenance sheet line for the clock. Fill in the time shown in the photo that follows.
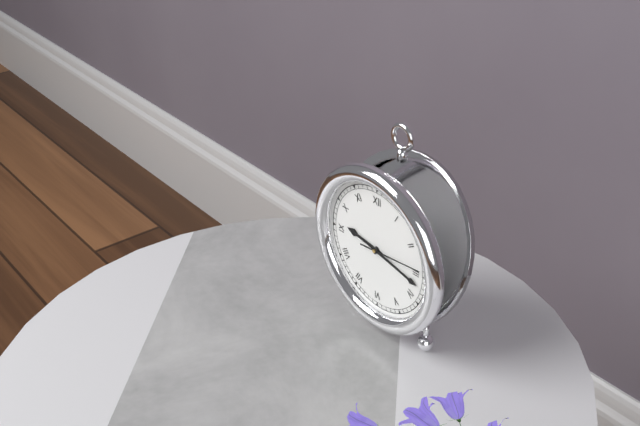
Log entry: 9:17:14
